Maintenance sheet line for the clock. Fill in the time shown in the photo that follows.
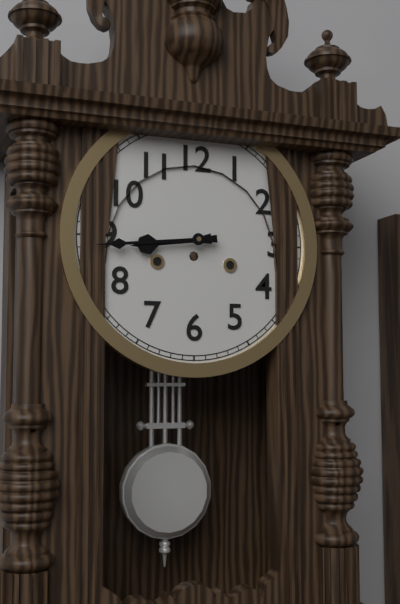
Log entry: 8:44
